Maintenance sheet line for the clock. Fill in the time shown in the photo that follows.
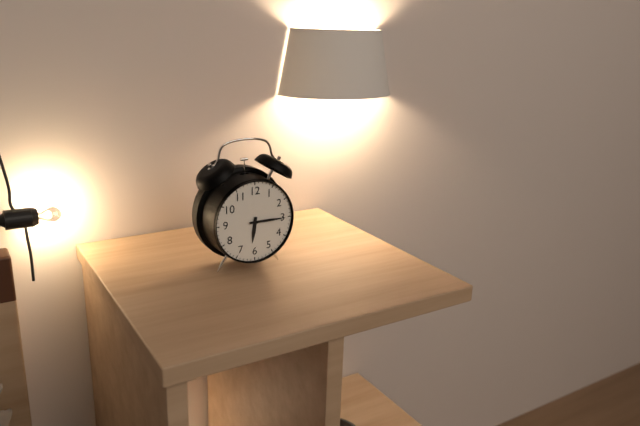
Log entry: 6:15
